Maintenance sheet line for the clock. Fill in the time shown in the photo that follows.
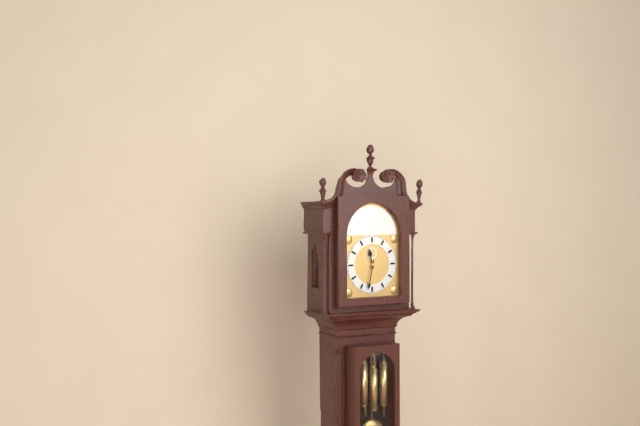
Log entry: 11:32
